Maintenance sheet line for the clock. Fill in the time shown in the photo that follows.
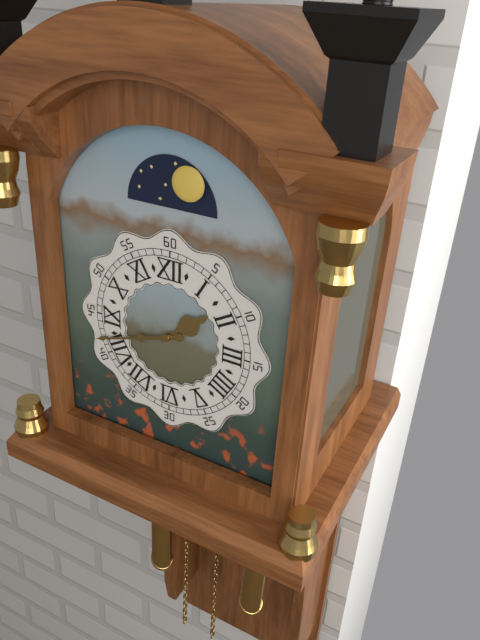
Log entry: 1:42
